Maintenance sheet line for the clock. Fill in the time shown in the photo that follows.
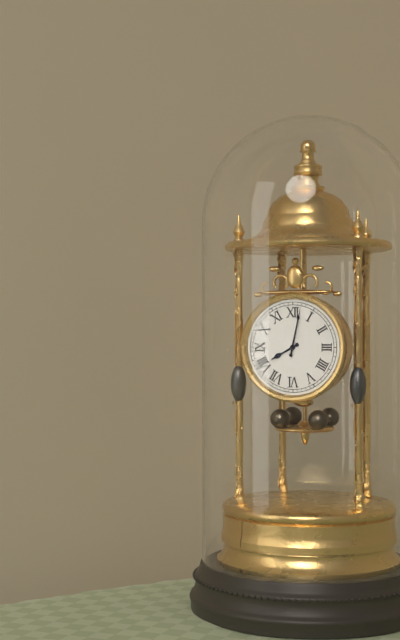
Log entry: 8:02
